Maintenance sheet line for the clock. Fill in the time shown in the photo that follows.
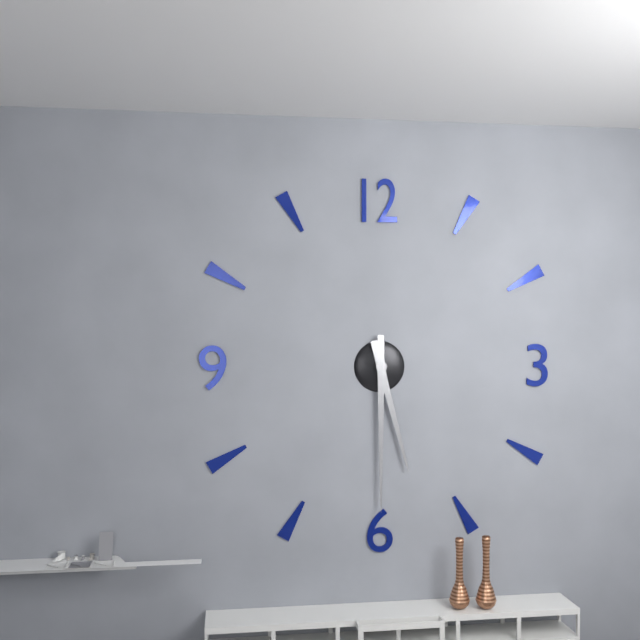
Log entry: 5:30
